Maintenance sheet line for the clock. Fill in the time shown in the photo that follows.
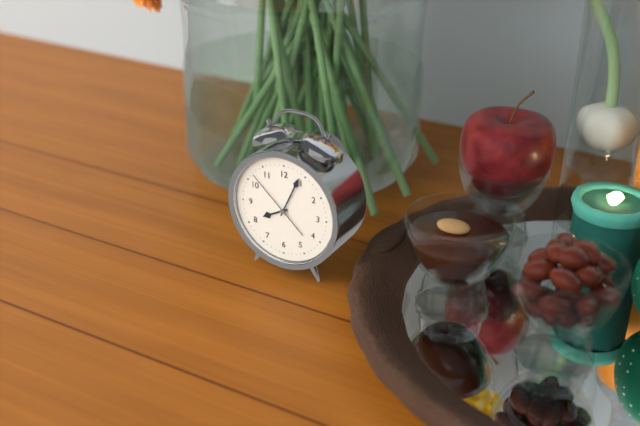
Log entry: 8:04:52
